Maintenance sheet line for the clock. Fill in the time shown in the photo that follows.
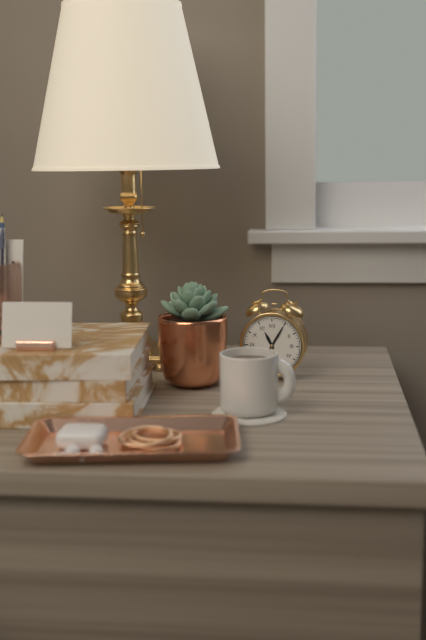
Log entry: 11:05
